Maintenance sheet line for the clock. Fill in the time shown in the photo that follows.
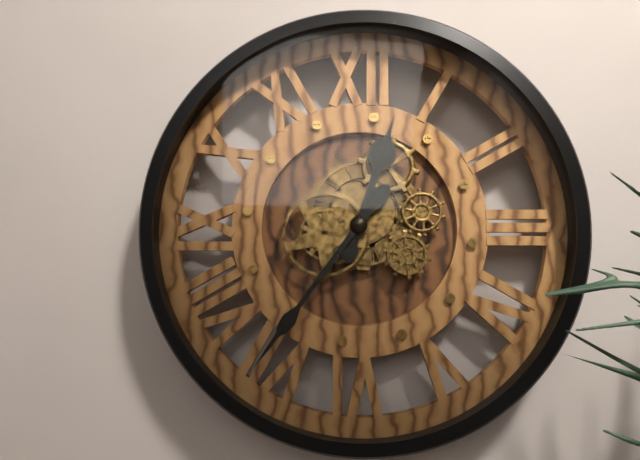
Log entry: 12:36
